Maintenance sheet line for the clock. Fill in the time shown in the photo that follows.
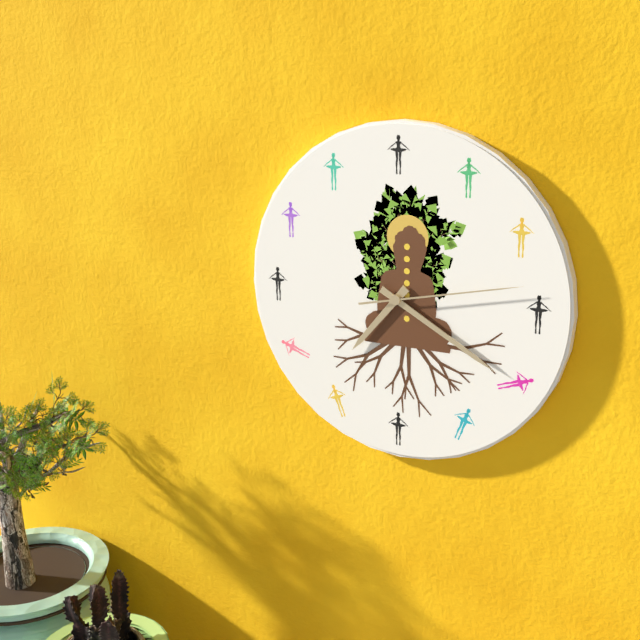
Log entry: 7:20:13
